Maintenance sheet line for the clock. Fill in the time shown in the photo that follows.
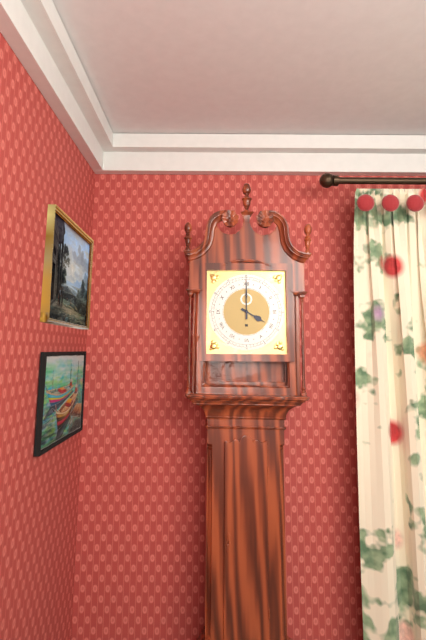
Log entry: 4:00
